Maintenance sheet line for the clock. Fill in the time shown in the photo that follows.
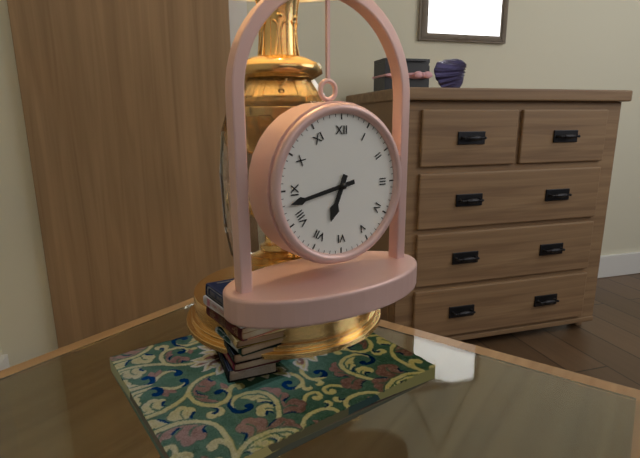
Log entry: 6:43
